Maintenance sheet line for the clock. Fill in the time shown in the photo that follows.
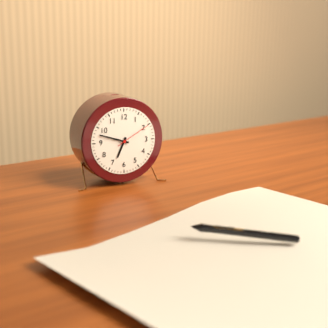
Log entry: 6:48
